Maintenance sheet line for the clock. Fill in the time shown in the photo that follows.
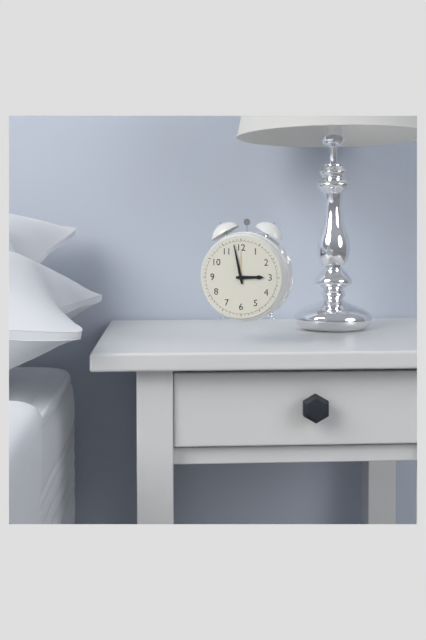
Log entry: 2:58
